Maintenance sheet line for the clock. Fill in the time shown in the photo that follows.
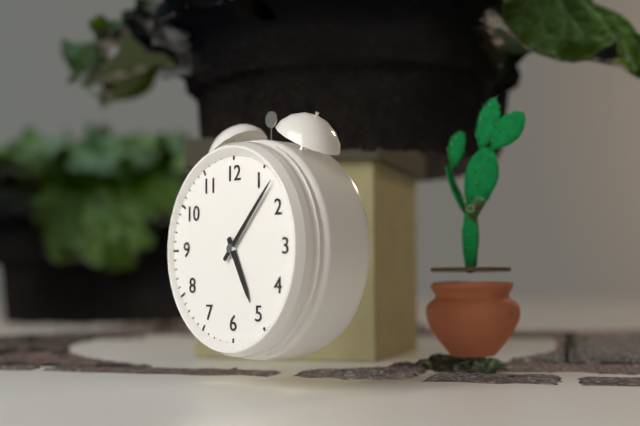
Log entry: 5:07
